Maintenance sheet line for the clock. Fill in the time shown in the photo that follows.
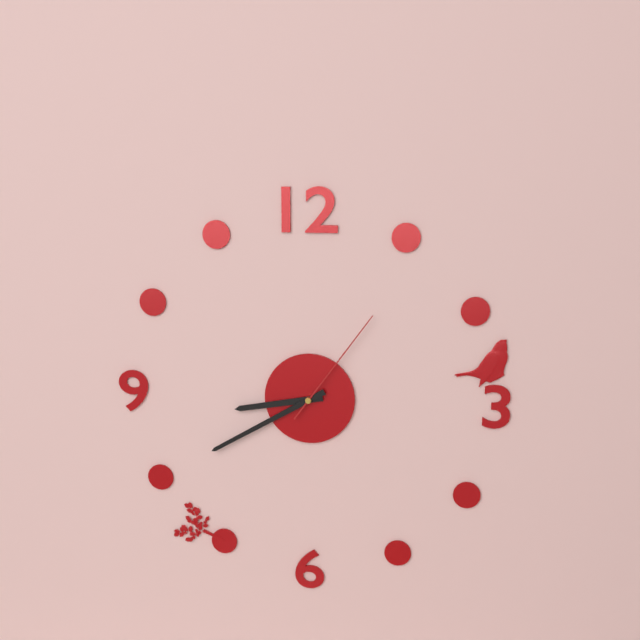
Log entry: 8:40:06
